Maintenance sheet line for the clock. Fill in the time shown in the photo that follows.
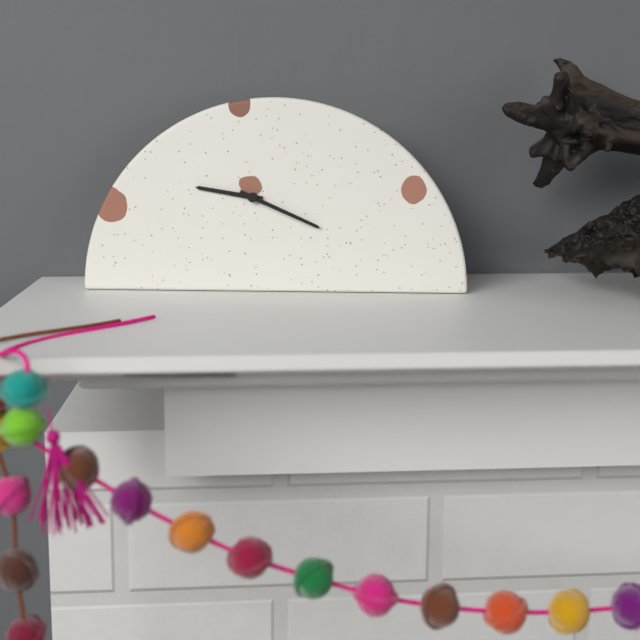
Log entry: 9:19
